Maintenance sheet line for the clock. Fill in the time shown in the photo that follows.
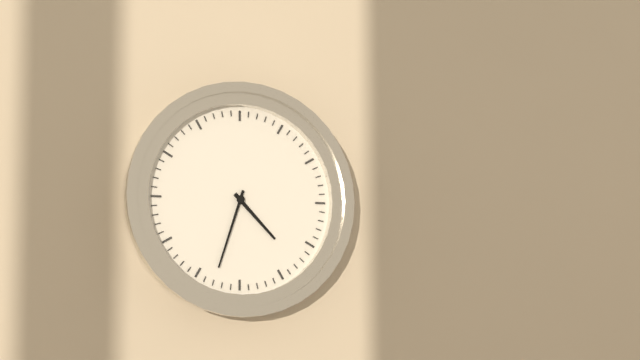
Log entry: 4:33
